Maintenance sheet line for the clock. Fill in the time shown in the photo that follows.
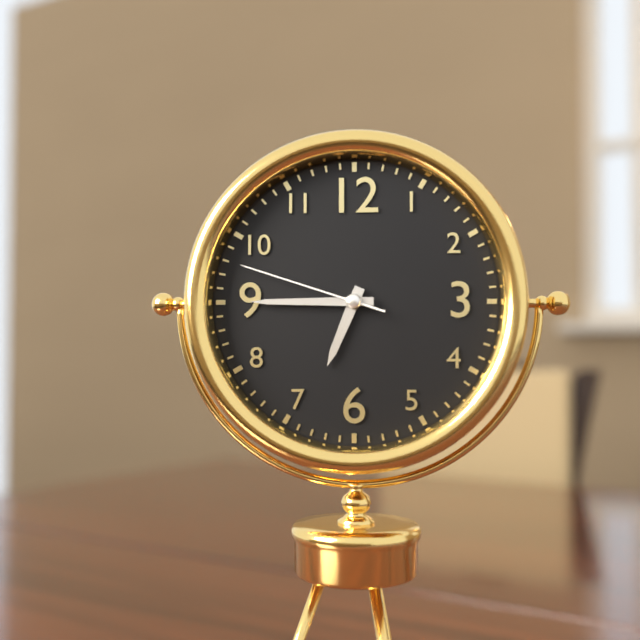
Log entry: 6:45:48
